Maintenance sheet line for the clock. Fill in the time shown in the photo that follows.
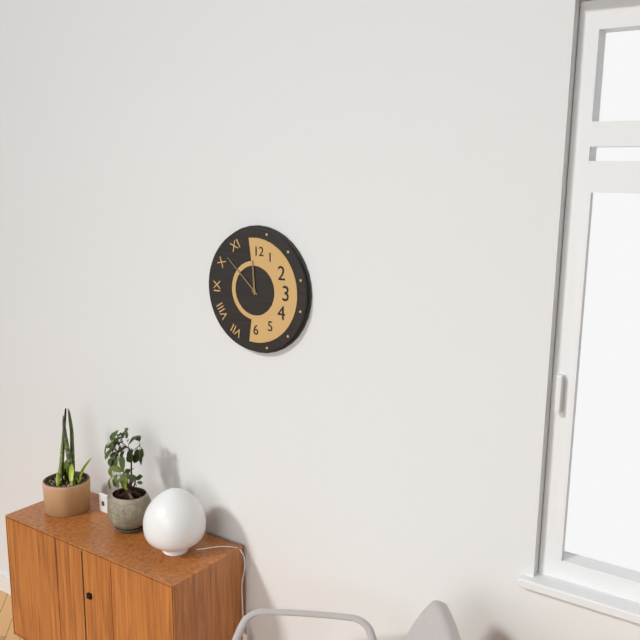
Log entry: 11:52
